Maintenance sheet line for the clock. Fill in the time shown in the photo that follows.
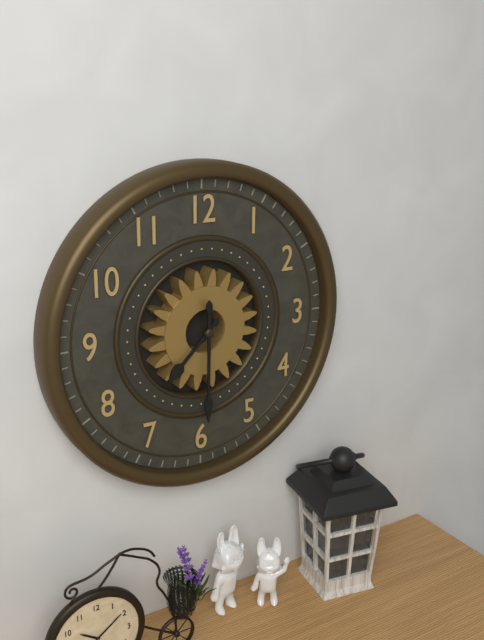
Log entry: 7:30
